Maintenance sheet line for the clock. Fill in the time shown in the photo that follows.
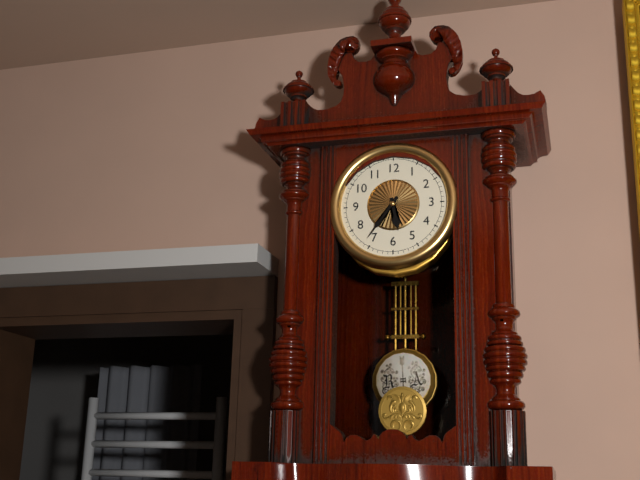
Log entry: 5:36
